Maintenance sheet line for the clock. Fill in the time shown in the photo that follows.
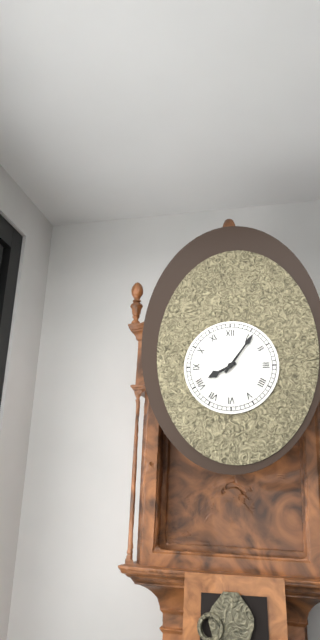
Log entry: 8:06
